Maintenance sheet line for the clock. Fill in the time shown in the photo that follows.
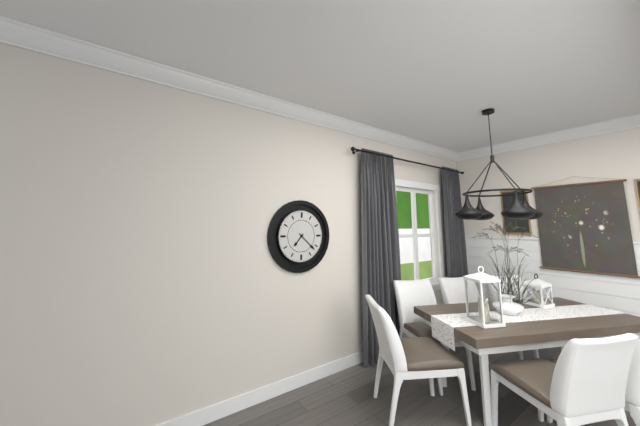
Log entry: 7:22
